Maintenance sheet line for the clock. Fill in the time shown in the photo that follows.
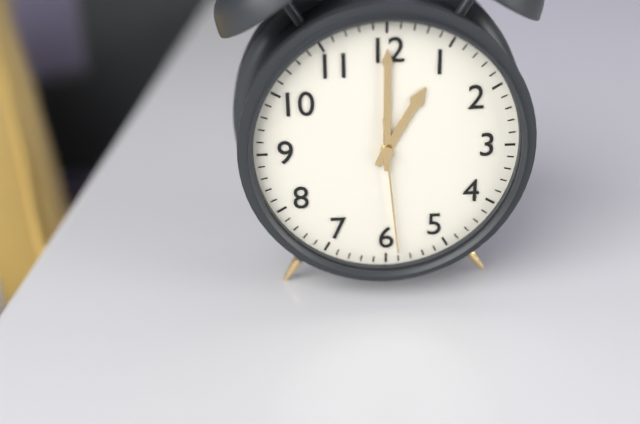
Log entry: 1:00:29
